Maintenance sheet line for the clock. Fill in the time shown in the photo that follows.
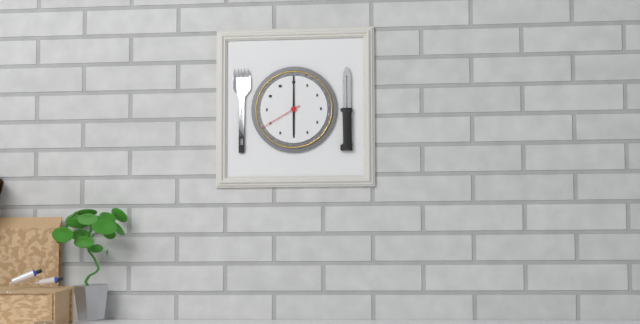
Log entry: 6:00
